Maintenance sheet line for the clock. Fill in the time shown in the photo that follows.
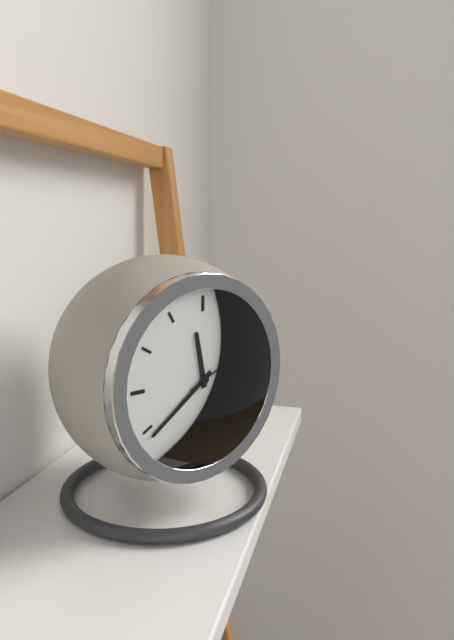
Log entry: 11:39:11
